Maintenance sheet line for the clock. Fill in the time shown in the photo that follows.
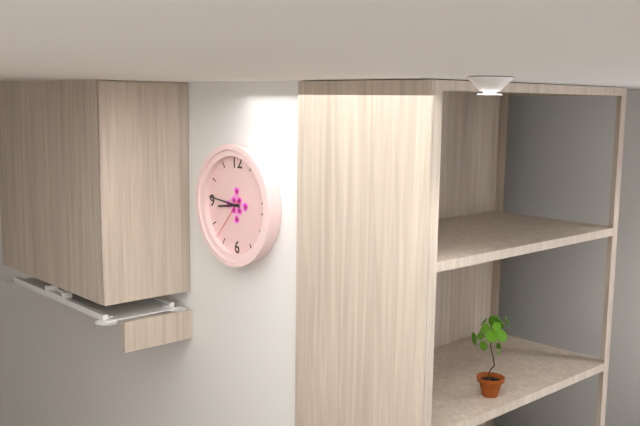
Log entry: 8:46
